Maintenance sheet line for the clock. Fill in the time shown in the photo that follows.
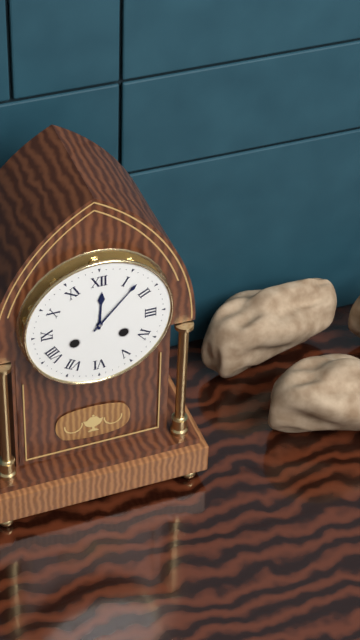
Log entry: 12:07
